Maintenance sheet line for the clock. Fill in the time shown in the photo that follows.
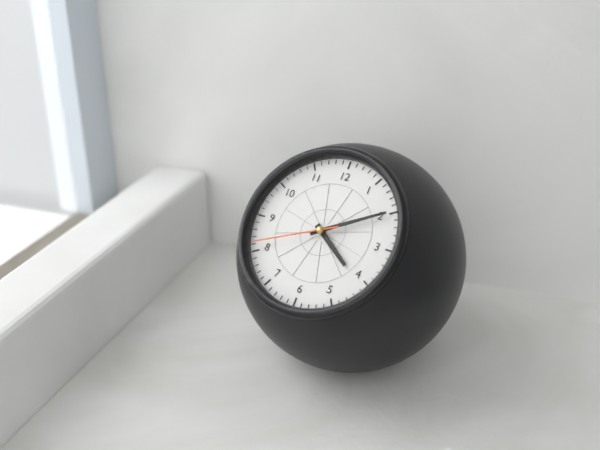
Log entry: 4:10:41
